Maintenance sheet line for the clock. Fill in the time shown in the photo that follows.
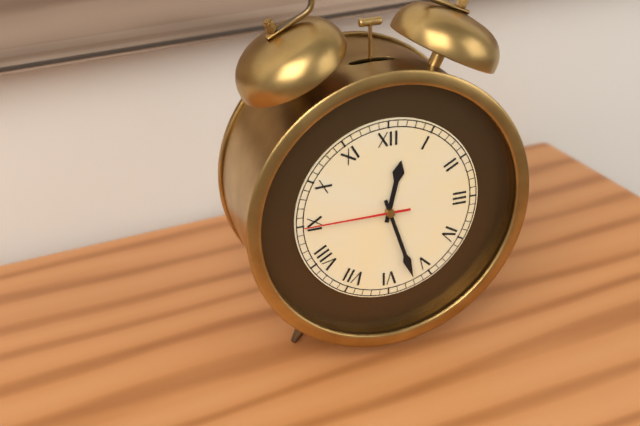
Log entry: 12:27:45
